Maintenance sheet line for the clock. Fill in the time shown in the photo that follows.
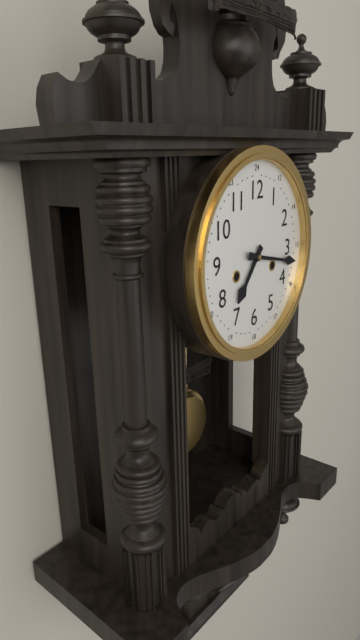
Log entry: 7:17
